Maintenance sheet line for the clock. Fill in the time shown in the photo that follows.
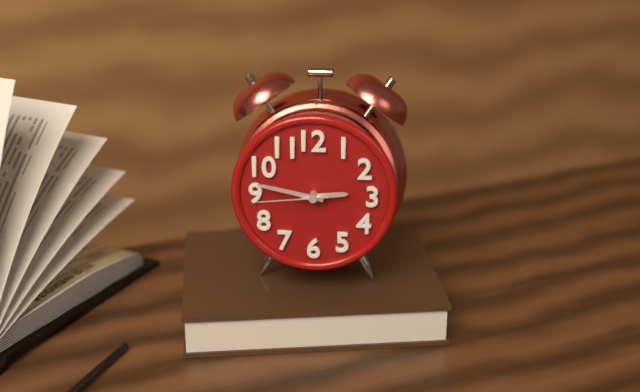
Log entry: 2:47:44
